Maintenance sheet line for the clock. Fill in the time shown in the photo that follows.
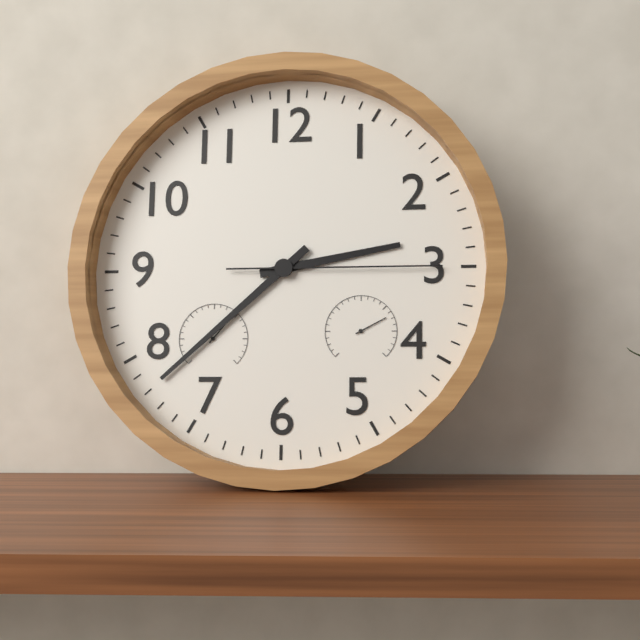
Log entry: 2:38:15
